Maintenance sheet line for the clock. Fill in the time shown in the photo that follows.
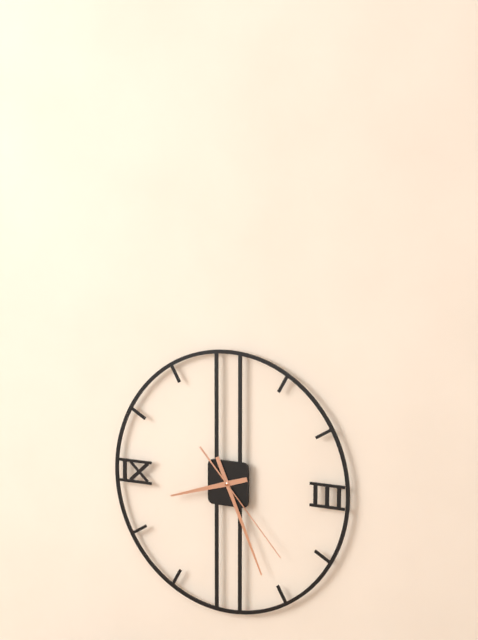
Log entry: 8:26:23
